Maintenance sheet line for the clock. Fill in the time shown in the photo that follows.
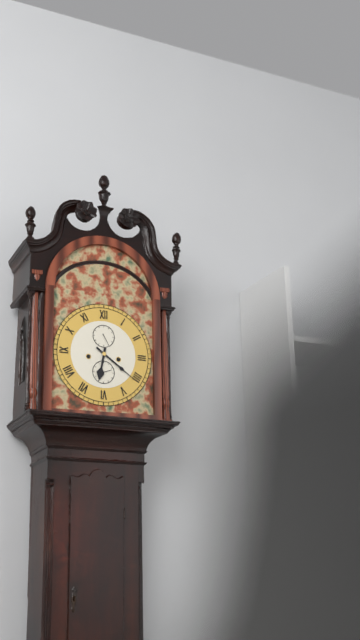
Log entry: 6:21
